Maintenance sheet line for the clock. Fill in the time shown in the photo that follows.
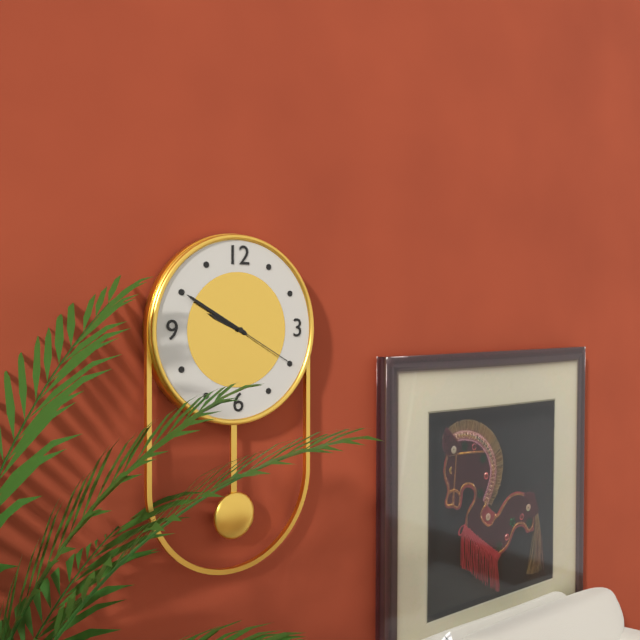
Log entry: 9:50:20
